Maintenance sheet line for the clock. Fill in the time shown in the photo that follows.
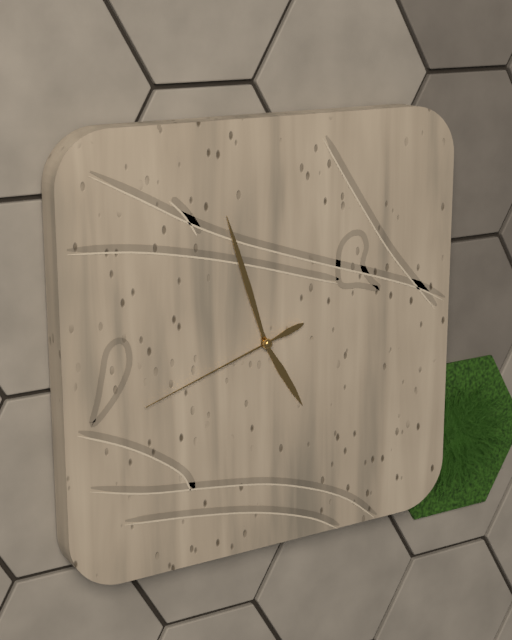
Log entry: 4:57:42
